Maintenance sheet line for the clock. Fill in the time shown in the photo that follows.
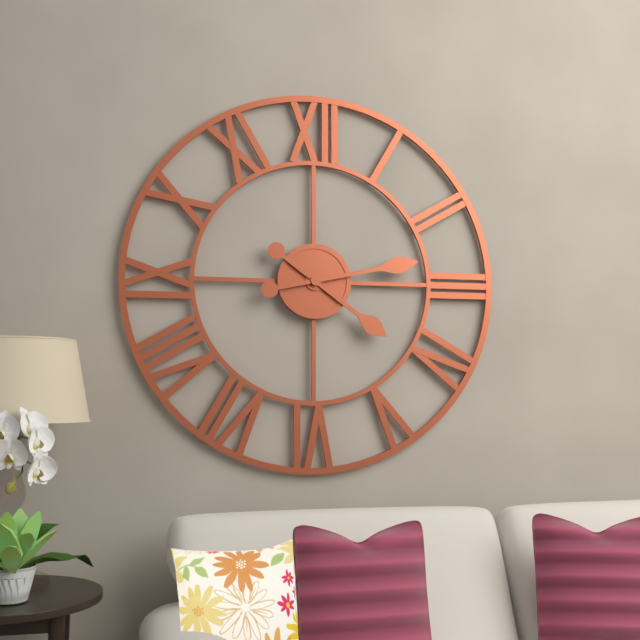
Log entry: 4:13
